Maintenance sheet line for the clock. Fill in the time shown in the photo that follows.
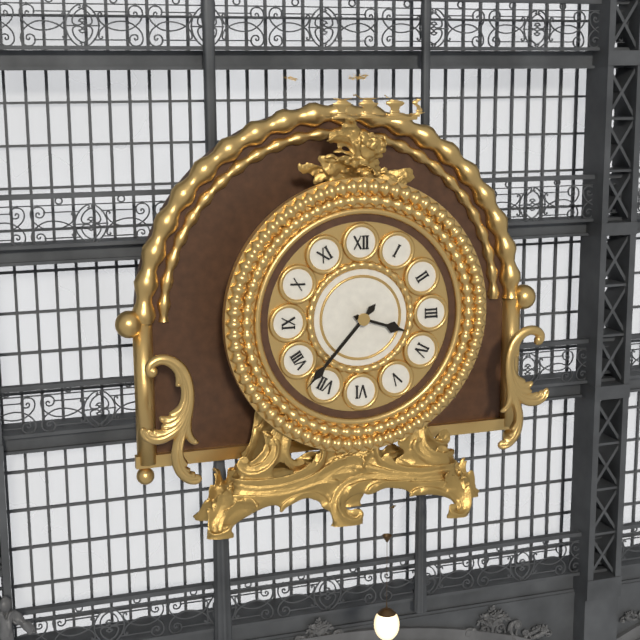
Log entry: 3:37
